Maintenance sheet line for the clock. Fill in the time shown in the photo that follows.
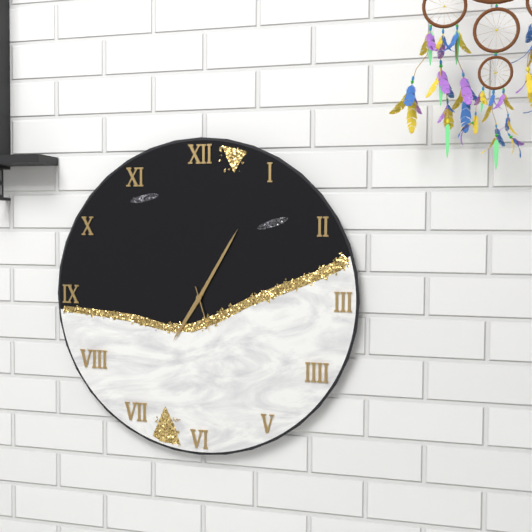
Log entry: 7:05
